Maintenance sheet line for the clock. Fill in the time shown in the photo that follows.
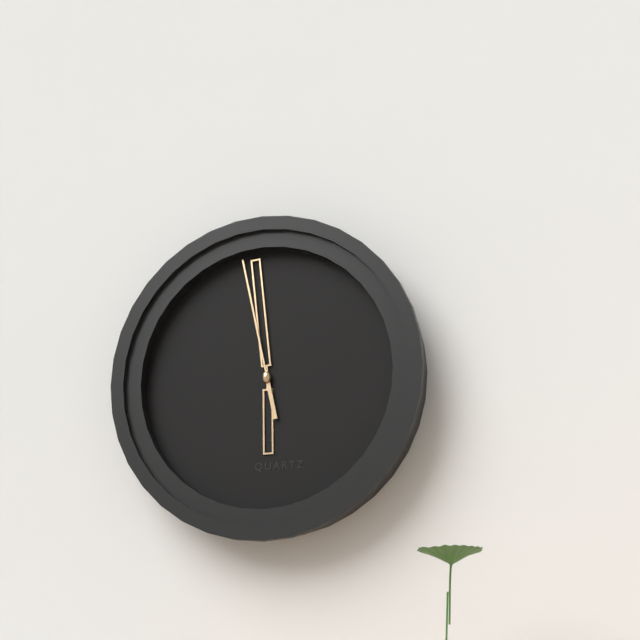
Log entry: 5:59:58
